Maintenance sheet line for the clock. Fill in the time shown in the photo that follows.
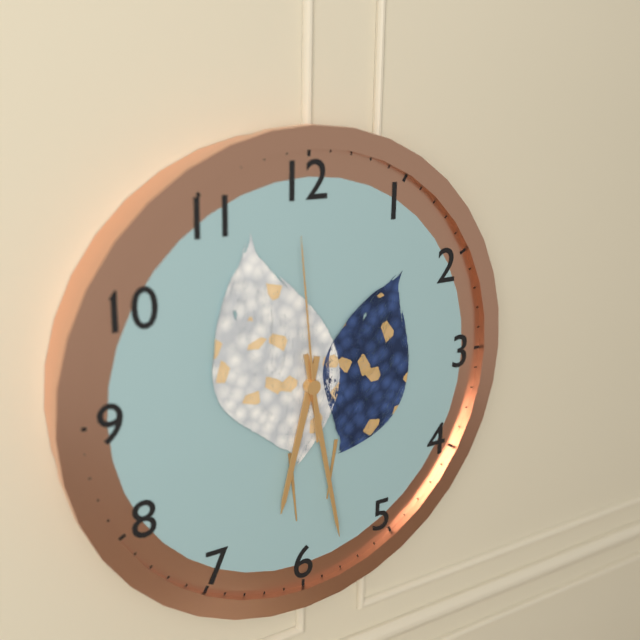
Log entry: 6:28:59
